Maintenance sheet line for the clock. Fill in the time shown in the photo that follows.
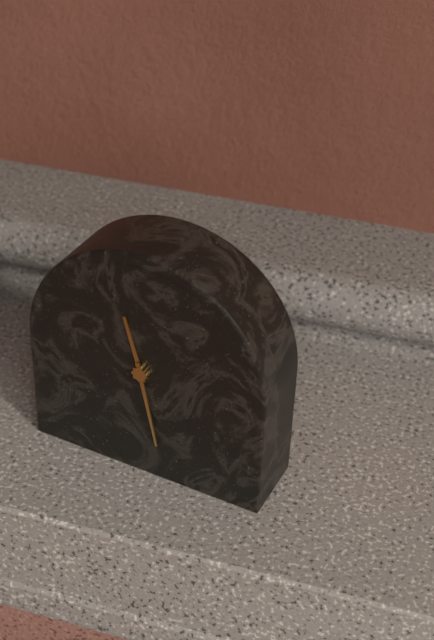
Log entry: 11:28
